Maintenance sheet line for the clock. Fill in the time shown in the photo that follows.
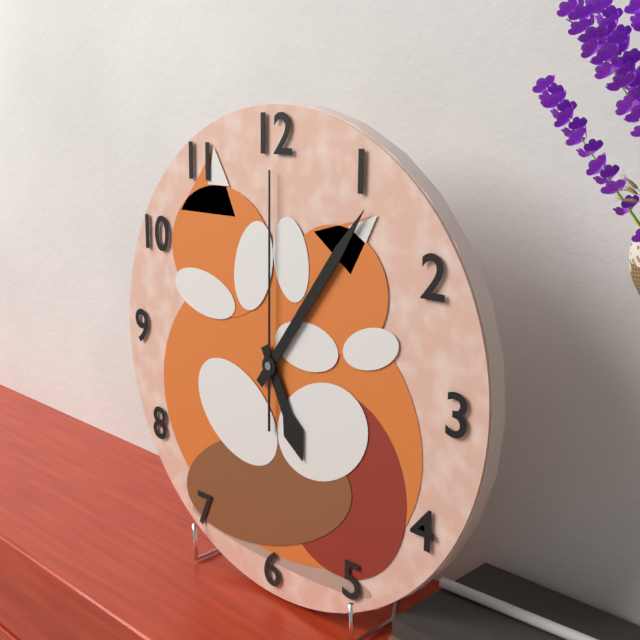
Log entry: 5:06:00
